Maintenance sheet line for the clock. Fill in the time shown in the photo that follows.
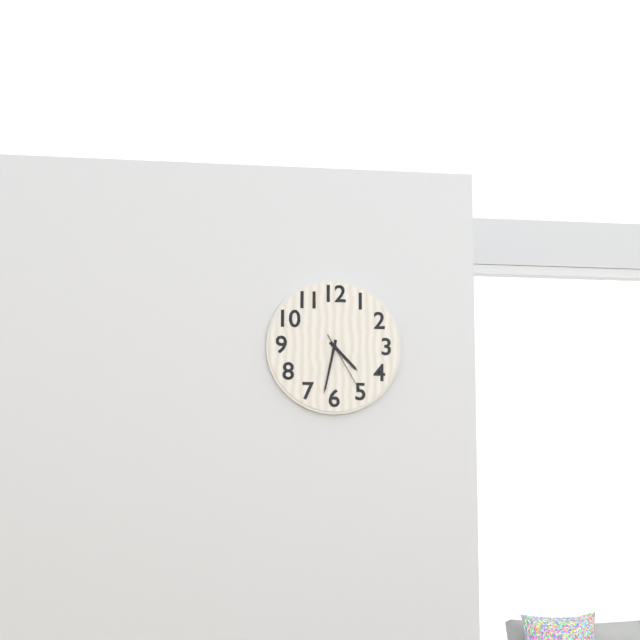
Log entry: 4:32:25
